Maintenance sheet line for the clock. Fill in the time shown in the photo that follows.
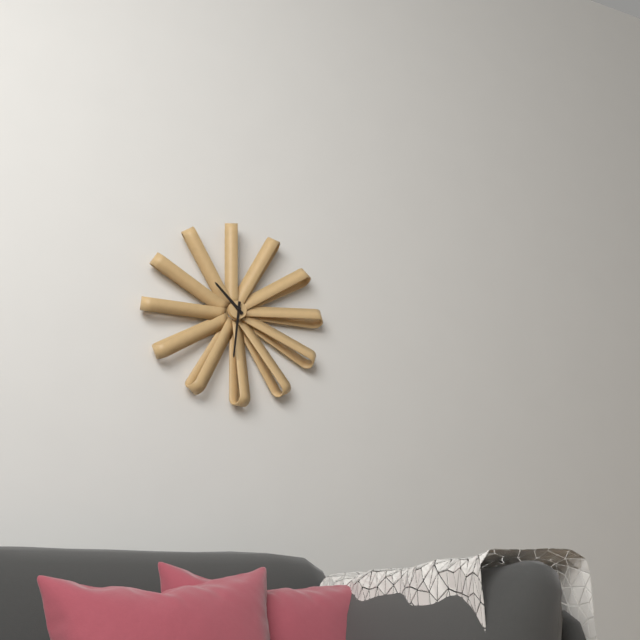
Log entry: 10:31
